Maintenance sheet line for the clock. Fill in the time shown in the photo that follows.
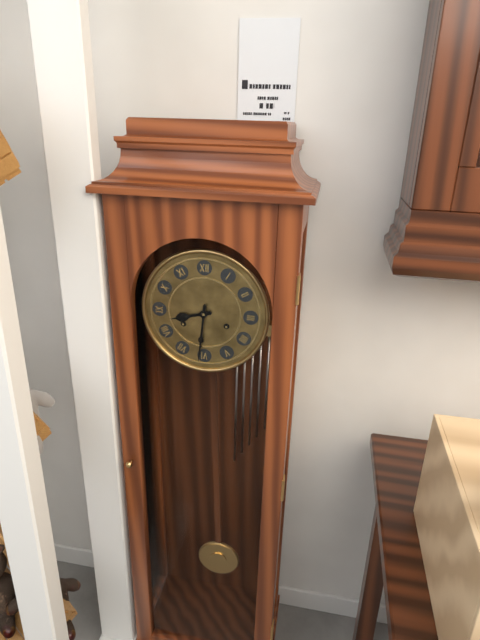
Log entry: 8:31
